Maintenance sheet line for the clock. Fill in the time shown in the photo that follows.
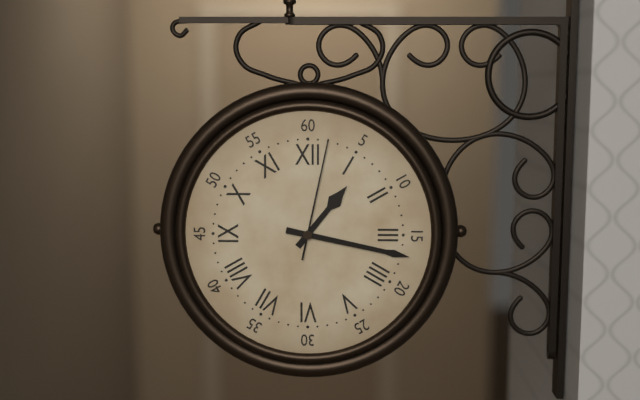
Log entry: 1:17:02
